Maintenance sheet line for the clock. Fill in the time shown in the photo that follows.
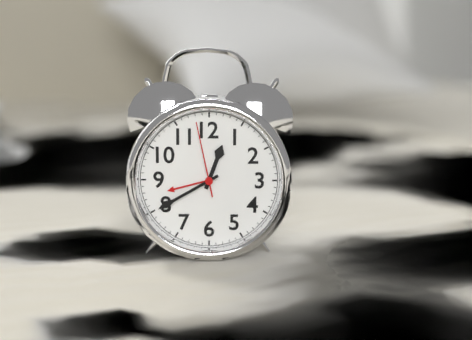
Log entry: 12:40:58
